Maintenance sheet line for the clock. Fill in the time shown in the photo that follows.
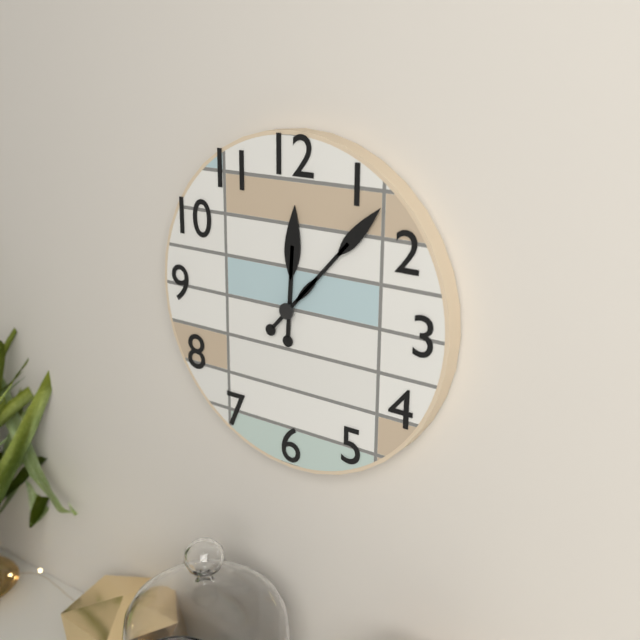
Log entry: 12:07
